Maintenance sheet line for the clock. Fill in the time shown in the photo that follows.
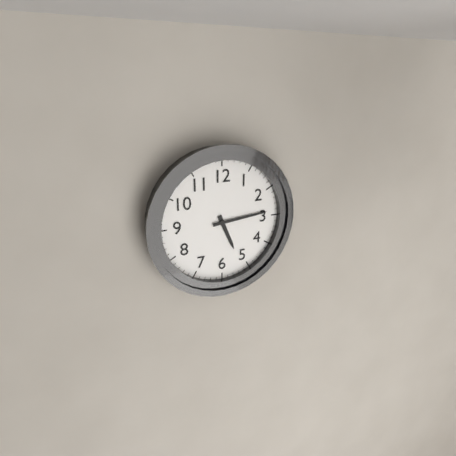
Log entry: 5:14
